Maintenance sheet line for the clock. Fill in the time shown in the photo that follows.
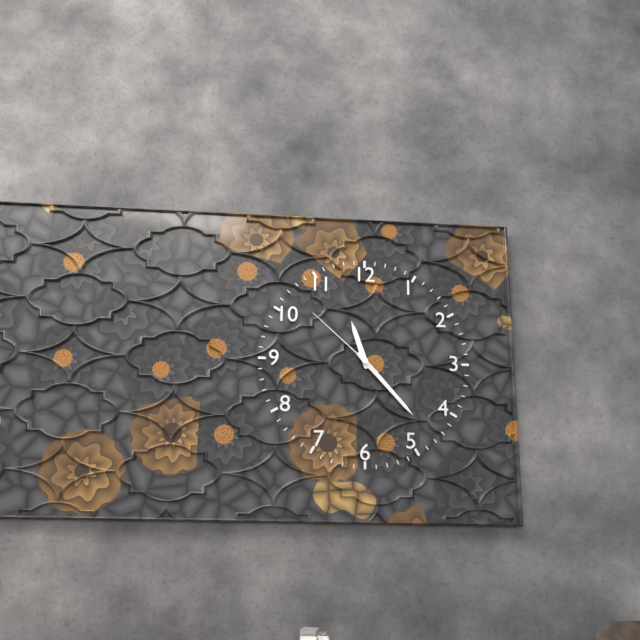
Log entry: 11:23:52
